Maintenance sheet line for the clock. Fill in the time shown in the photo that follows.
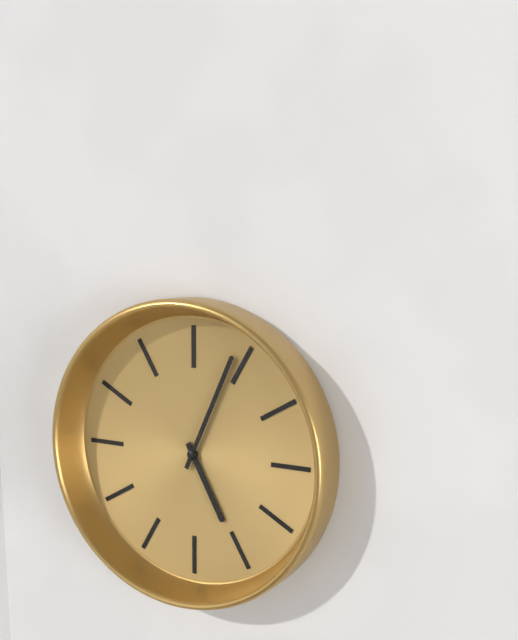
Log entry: 5:04
